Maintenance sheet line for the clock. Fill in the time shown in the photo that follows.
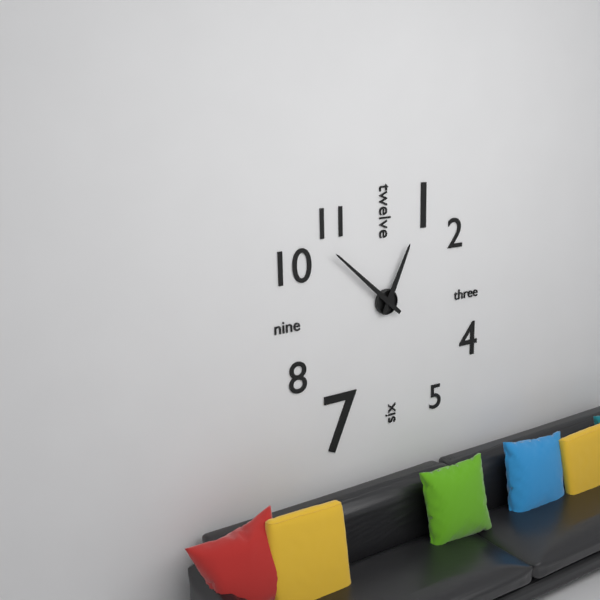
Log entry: 12:52
